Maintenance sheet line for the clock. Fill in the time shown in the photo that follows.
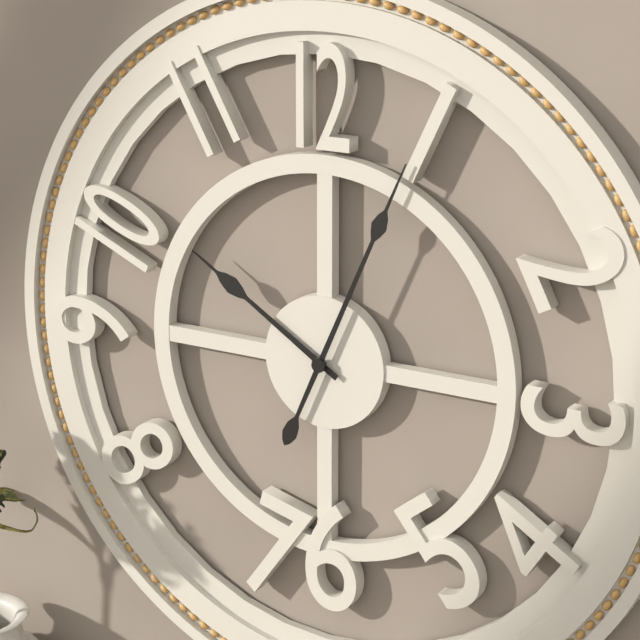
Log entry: 10:04
